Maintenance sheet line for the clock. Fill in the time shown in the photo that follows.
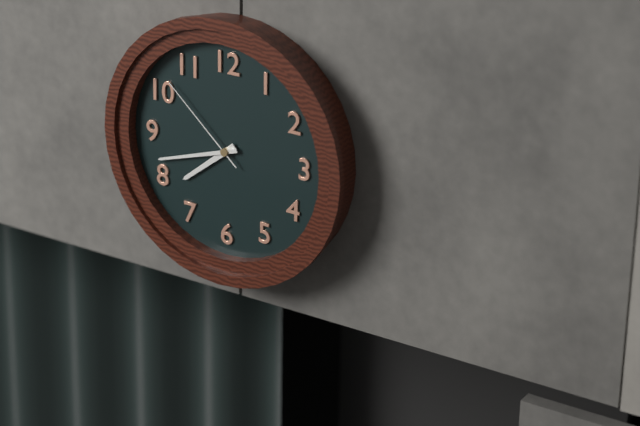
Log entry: 7:42:52
